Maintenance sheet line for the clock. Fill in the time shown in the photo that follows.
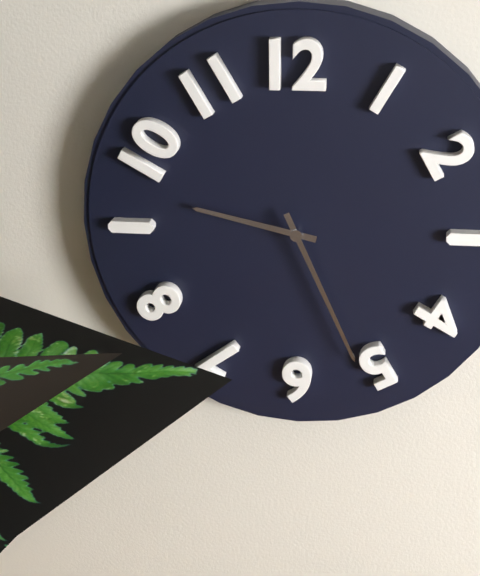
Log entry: 9:26
